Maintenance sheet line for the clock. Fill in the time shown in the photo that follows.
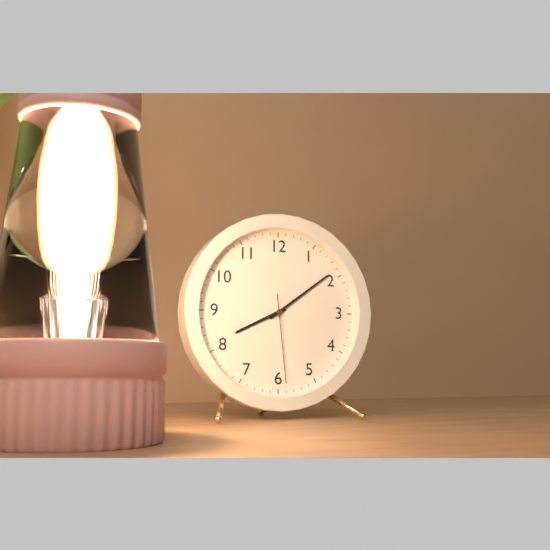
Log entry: 8:09:29
